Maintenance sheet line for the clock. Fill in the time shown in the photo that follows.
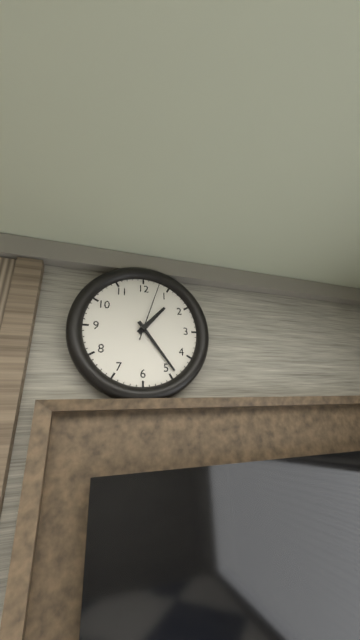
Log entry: 1:24:03
